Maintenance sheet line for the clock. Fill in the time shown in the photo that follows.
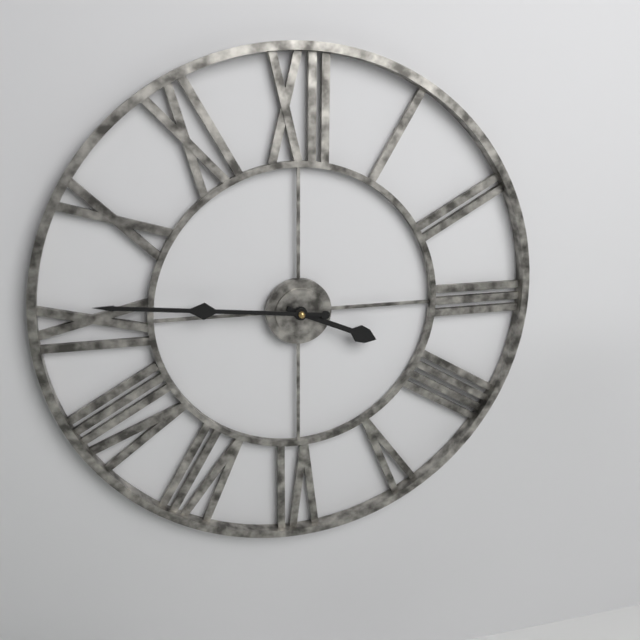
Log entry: 3:46
